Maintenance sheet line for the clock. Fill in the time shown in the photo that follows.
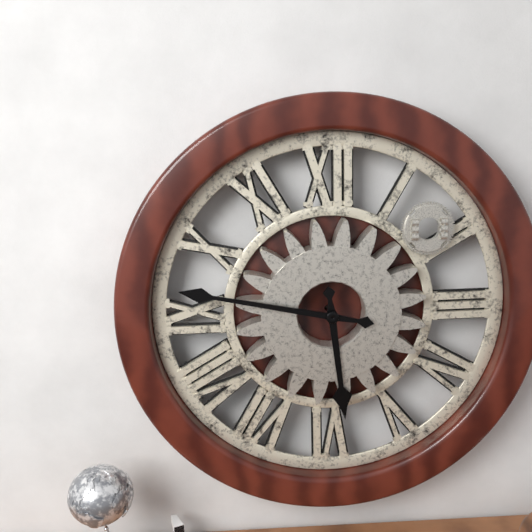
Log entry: 5:47
